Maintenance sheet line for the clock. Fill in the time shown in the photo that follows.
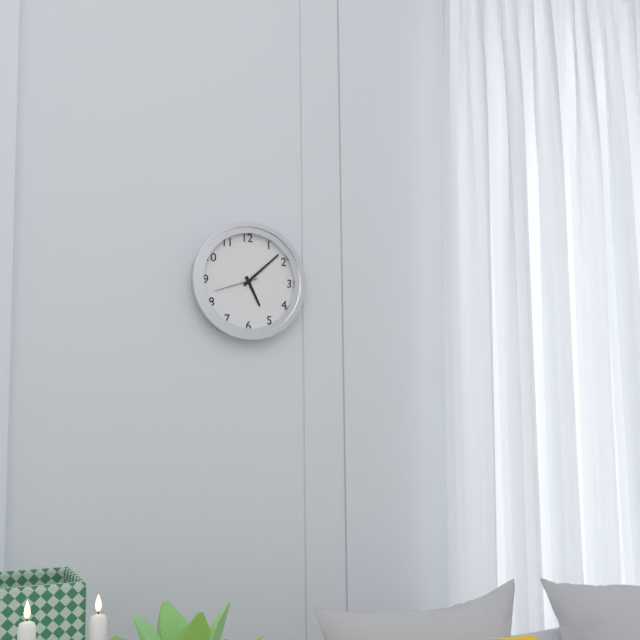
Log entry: 5:08
